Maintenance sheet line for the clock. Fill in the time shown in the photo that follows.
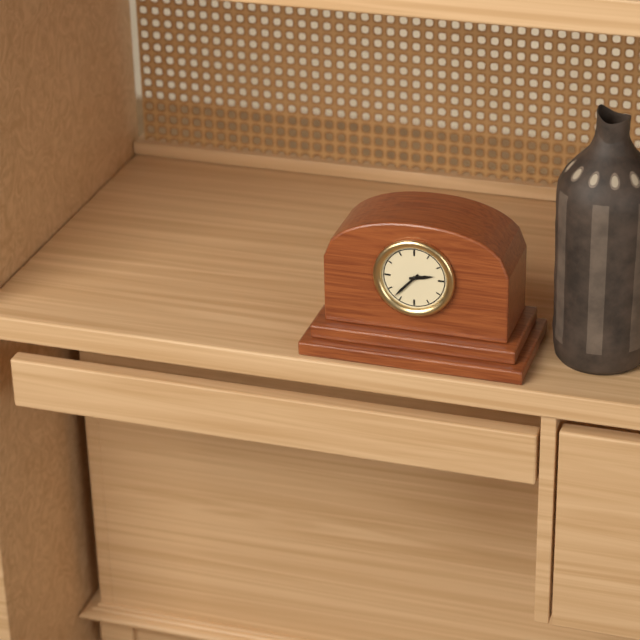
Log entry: 2:37
